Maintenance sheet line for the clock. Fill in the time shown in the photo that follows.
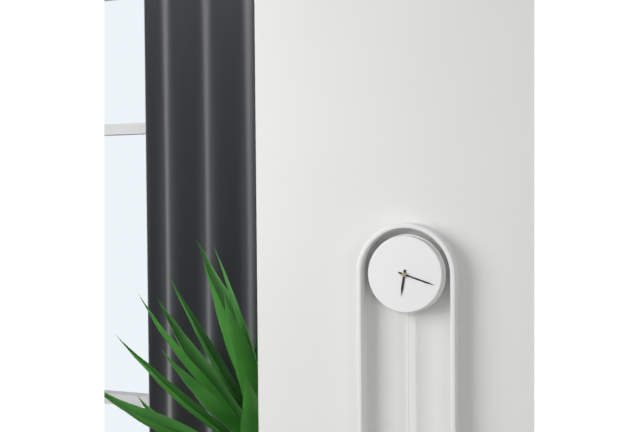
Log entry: 6:18
